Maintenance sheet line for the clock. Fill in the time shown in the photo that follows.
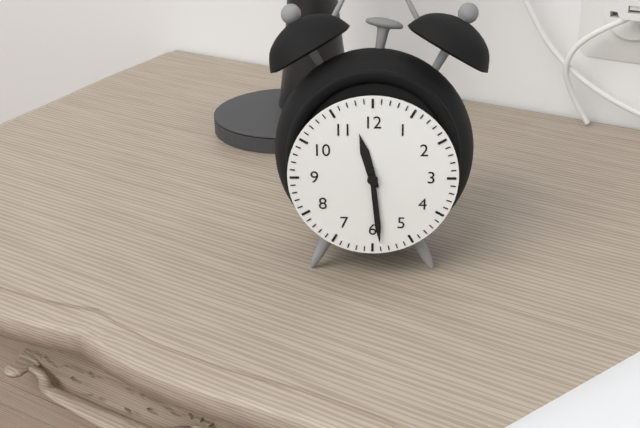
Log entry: 11:29
